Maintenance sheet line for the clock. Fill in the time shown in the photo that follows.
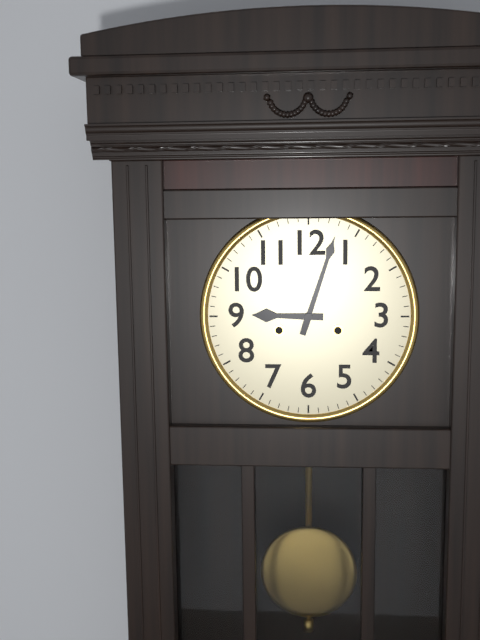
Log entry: 9:03
